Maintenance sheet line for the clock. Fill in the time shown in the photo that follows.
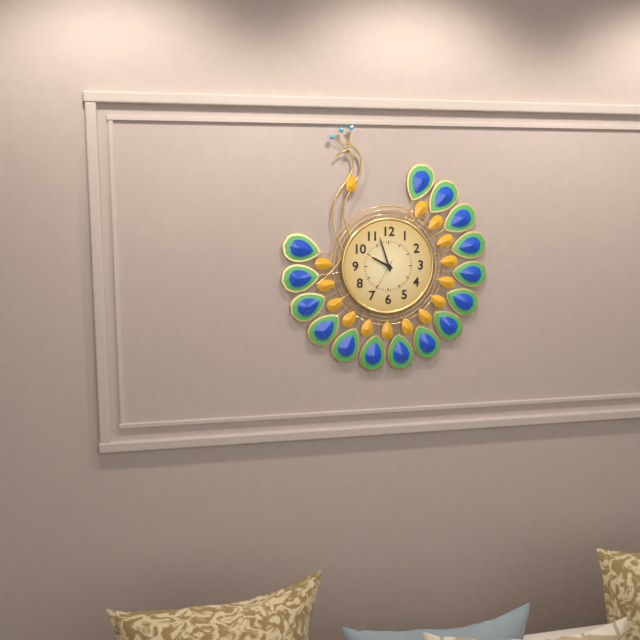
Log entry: 9:57
